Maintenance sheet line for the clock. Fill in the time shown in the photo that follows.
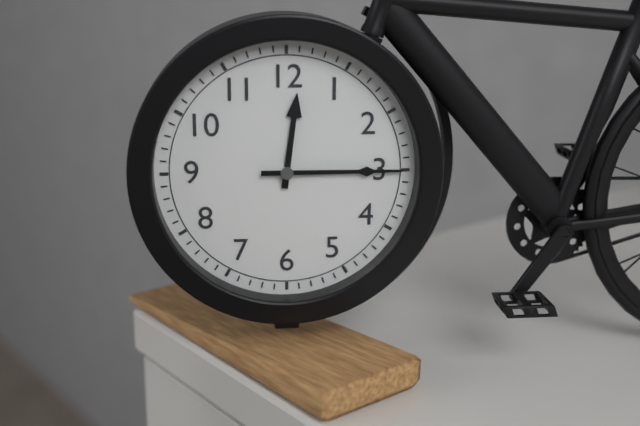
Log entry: 12:15
